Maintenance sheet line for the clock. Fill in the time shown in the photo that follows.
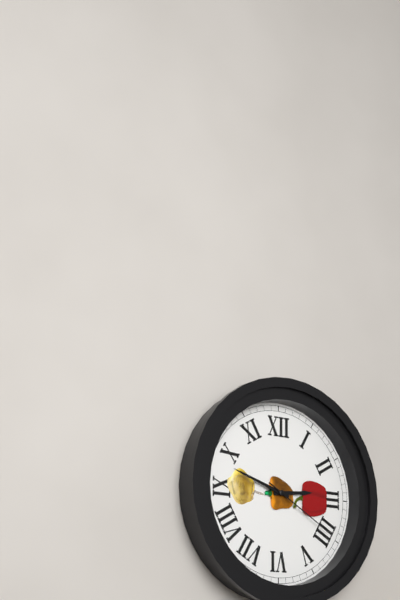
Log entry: 2:48:20
